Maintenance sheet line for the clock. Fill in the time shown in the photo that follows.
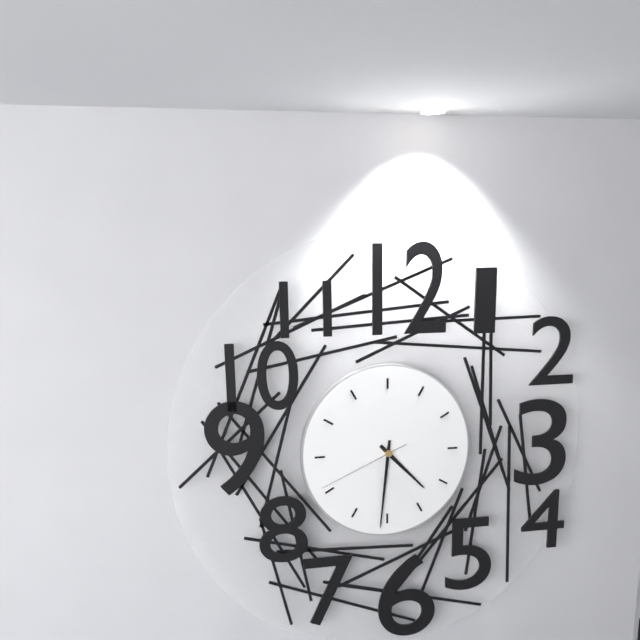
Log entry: 4:31:41
